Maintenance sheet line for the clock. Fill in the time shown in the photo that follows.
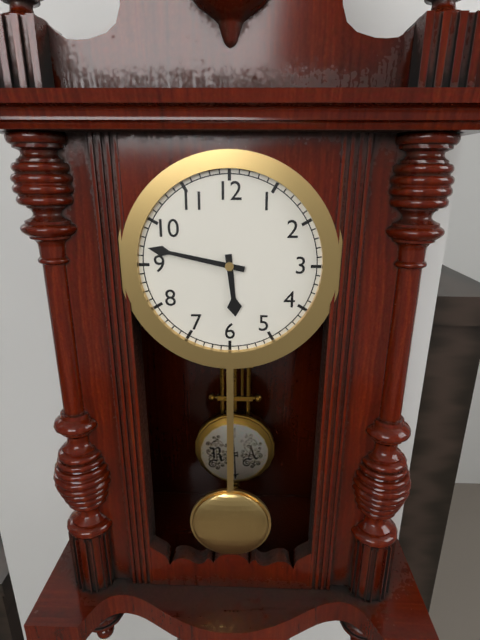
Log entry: 5:47
